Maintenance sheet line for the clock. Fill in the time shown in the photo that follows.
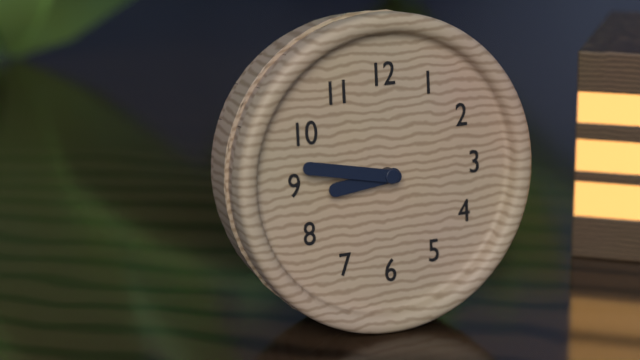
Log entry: 8:47
